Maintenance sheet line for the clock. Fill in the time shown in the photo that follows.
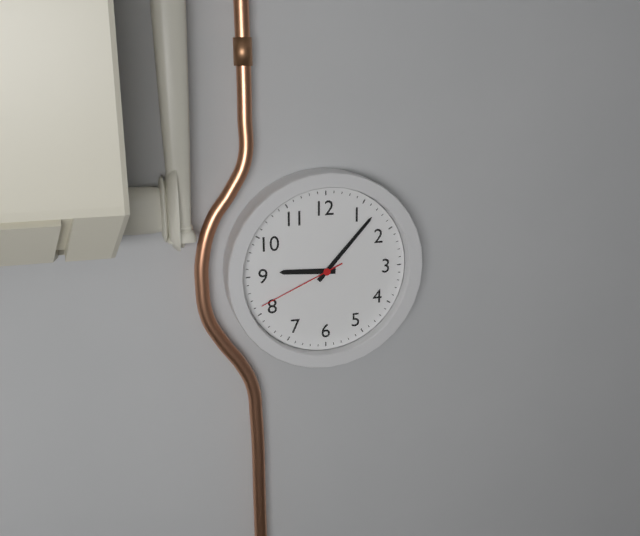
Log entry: 9:07:41
